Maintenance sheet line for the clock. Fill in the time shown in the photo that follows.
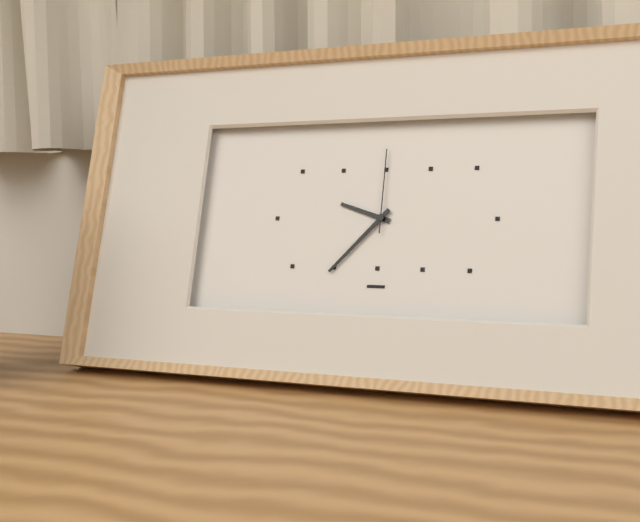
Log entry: 9:37:00
